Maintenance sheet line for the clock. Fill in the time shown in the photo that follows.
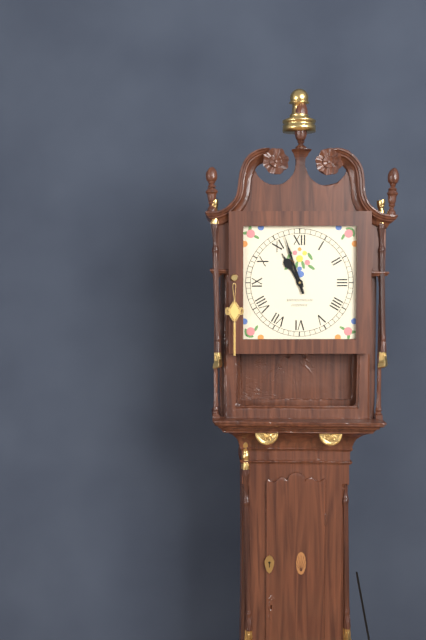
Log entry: 10:57
